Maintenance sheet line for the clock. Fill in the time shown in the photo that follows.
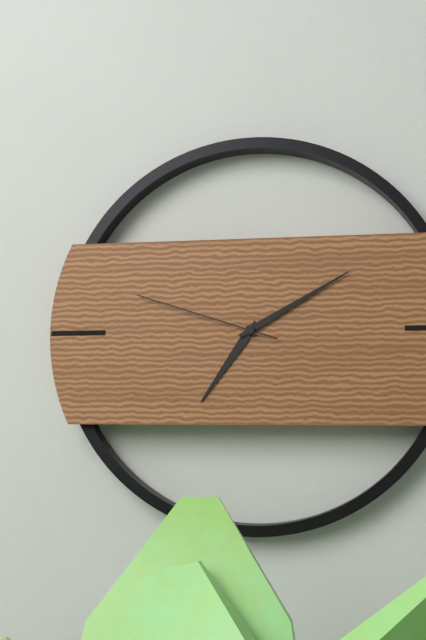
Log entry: 7:10:48
